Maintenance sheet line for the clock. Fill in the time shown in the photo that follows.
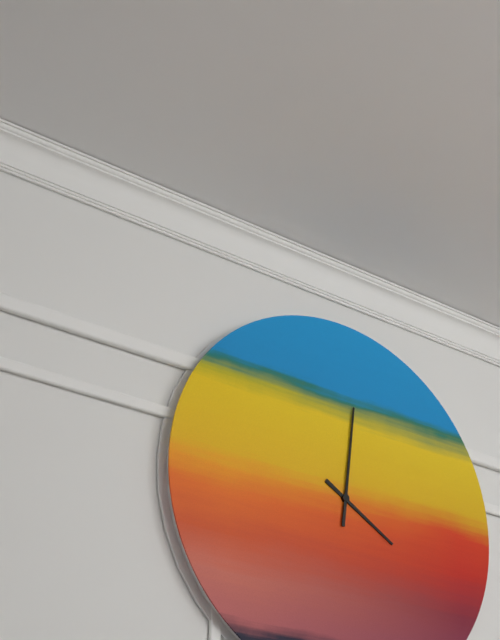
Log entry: 4:01
